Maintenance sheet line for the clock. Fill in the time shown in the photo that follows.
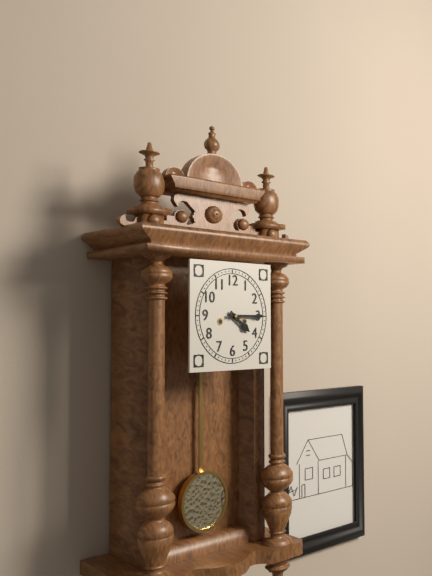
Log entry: 4:15
